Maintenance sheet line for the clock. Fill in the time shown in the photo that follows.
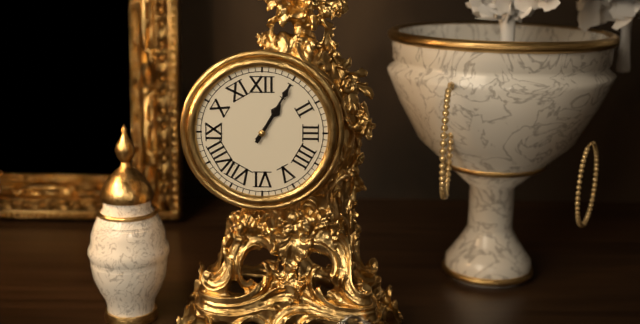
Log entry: 1:05
